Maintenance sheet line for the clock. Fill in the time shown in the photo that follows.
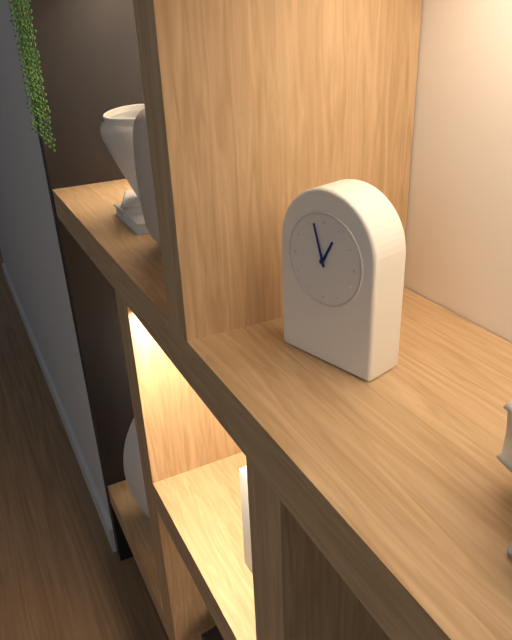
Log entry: 12:57
